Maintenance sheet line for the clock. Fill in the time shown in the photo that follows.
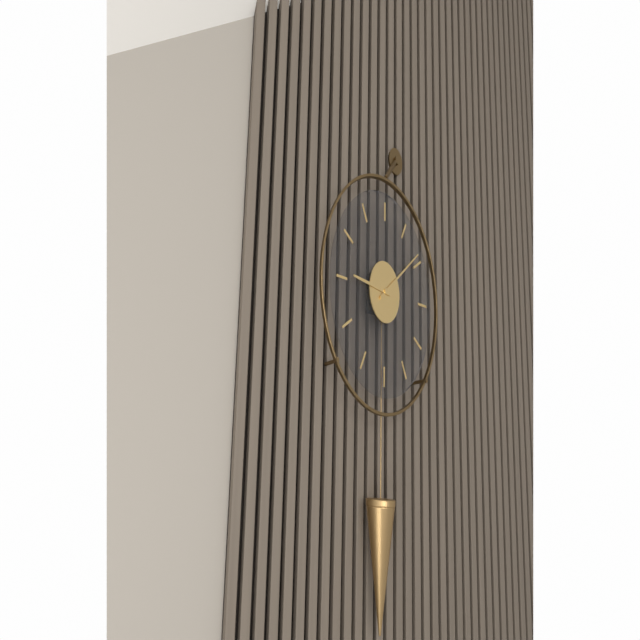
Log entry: 9:09
